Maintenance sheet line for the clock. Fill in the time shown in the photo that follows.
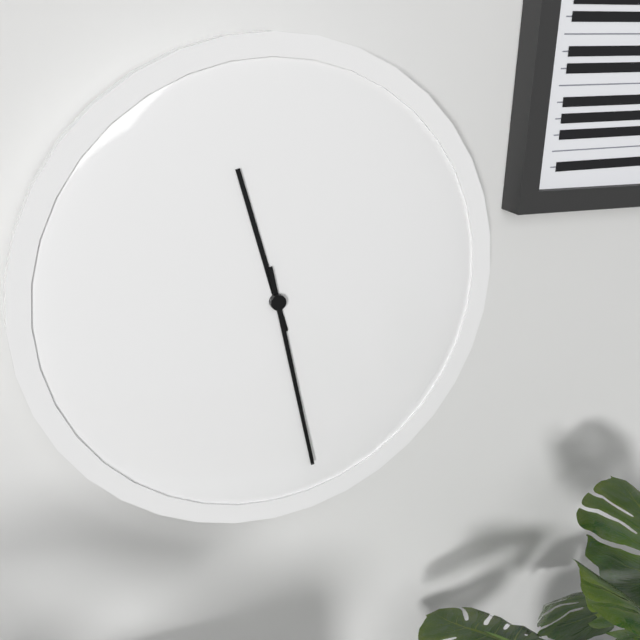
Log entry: 11:28
